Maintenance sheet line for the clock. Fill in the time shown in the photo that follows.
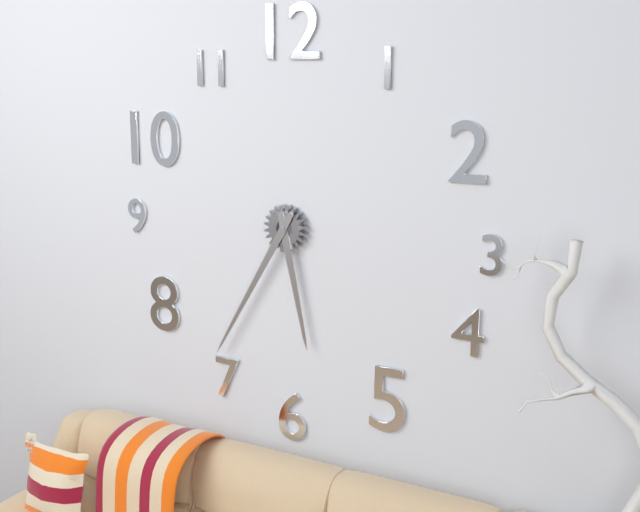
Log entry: 5:35
